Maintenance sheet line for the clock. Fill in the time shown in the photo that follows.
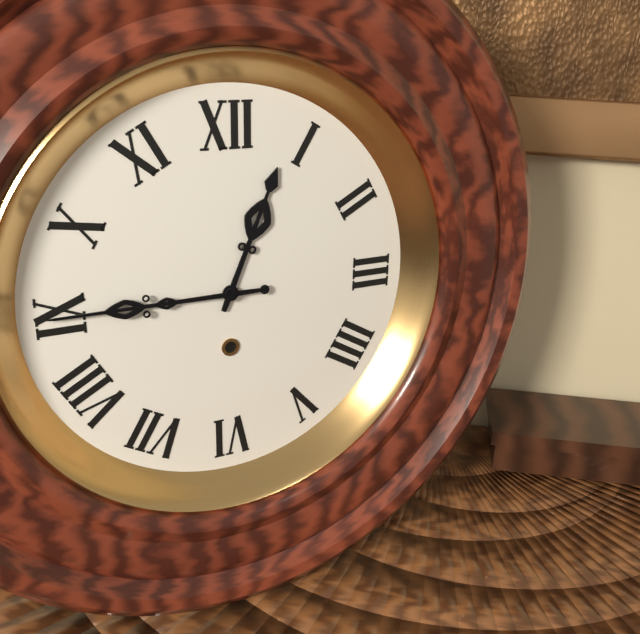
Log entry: 12:45
